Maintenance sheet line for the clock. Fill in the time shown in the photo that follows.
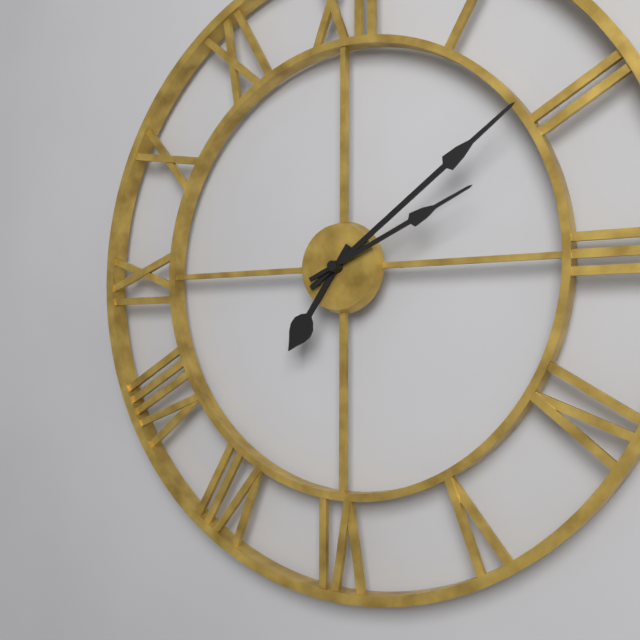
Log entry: 7:09:11
